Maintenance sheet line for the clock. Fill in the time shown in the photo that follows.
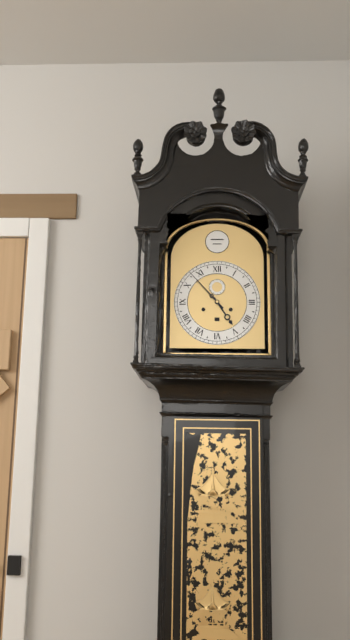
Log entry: 4:53
